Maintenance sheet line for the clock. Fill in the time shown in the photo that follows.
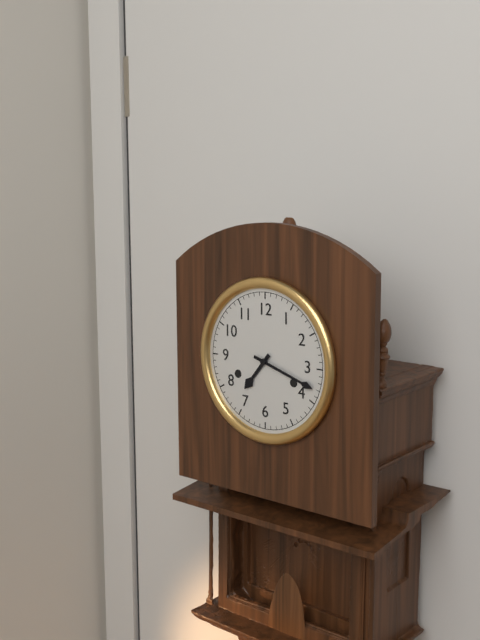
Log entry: 7:18
